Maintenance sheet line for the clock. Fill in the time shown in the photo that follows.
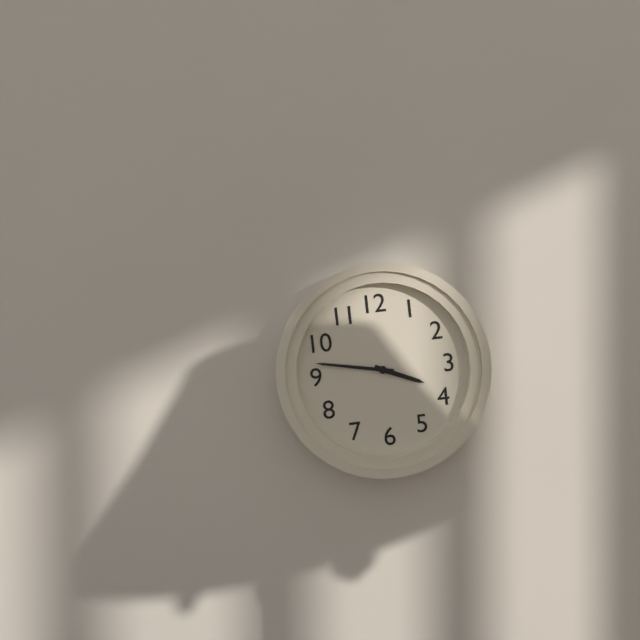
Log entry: 3:47
